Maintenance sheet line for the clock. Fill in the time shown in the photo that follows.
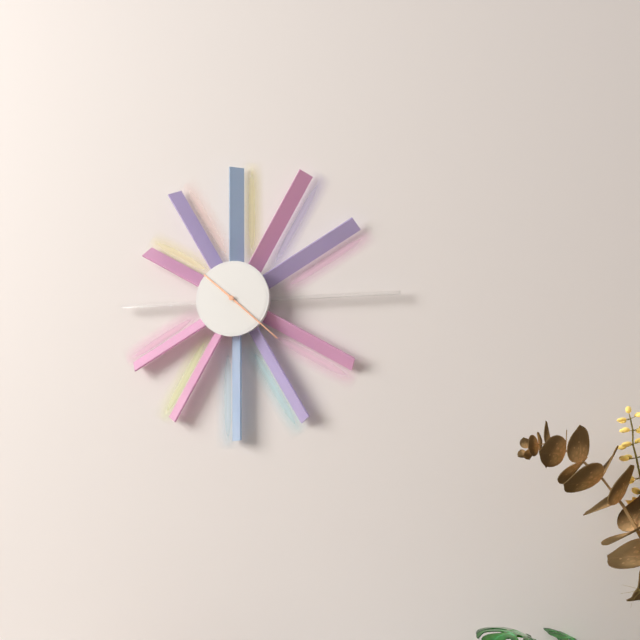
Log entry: 10:22
